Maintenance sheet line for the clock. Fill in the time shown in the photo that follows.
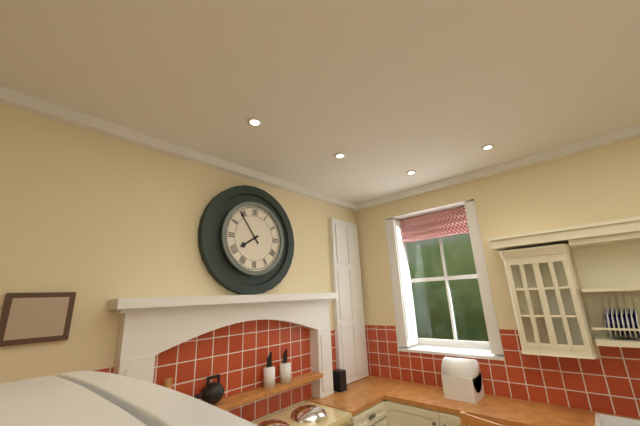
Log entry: 7:54
